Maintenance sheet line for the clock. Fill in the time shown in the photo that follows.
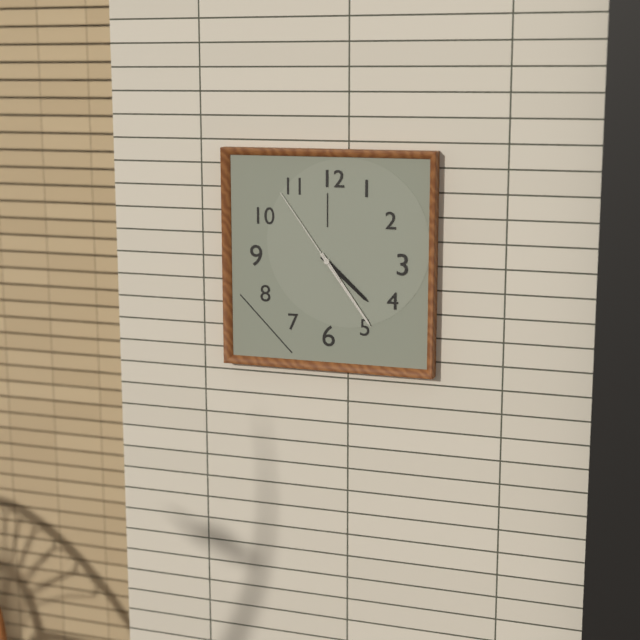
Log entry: 4:24:54
